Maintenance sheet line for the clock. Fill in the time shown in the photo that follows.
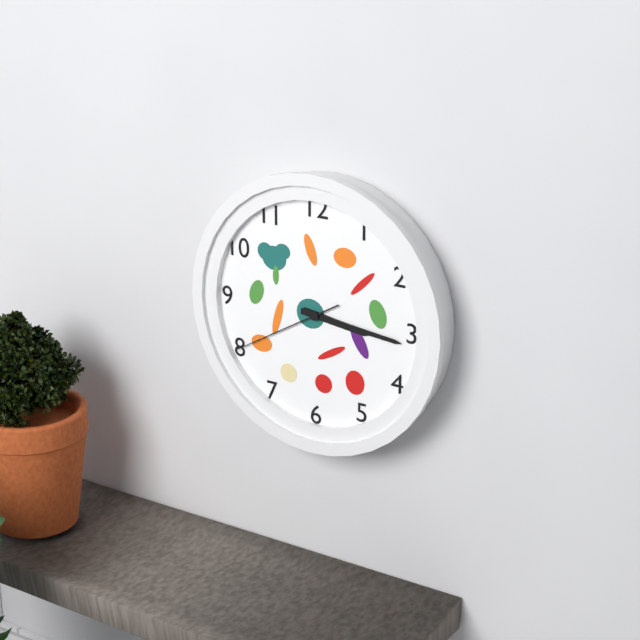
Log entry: 3:16:40
